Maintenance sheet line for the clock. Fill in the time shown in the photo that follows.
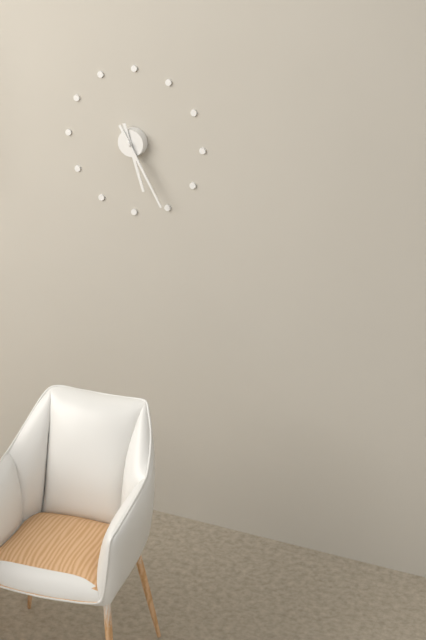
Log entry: 5:25
